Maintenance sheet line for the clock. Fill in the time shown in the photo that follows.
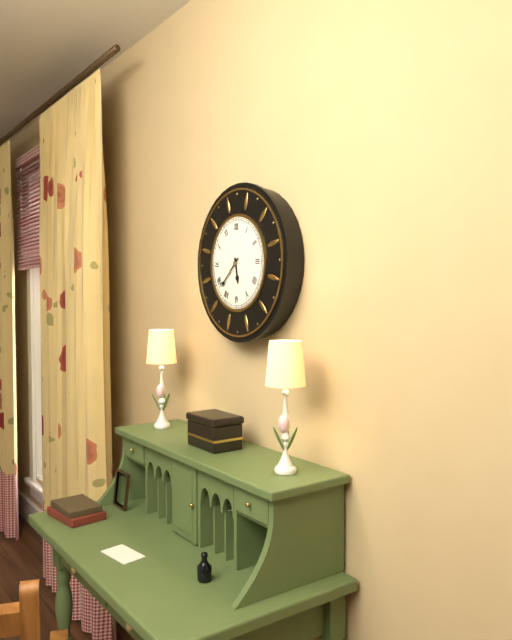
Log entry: 5:38
